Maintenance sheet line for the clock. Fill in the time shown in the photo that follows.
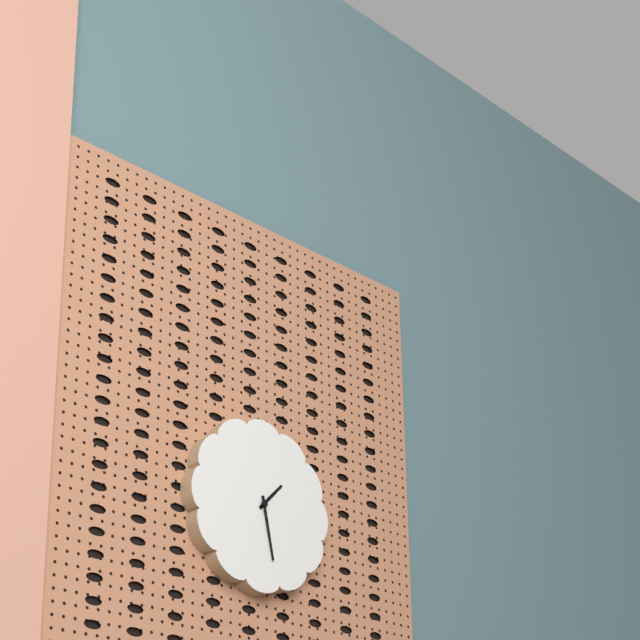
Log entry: 1:28
